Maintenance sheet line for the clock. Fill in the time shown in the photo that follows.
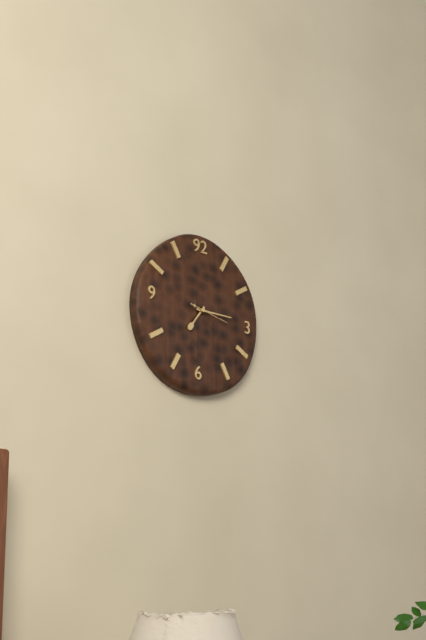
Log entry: 7:15
